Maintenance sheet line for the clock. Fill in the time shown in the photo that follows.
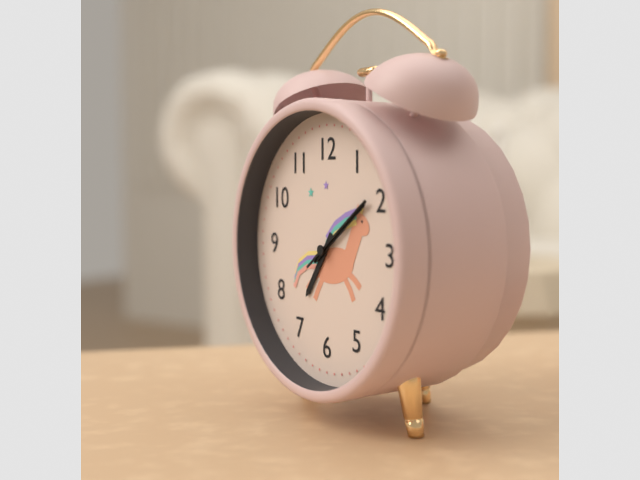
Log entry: 7:09:09
